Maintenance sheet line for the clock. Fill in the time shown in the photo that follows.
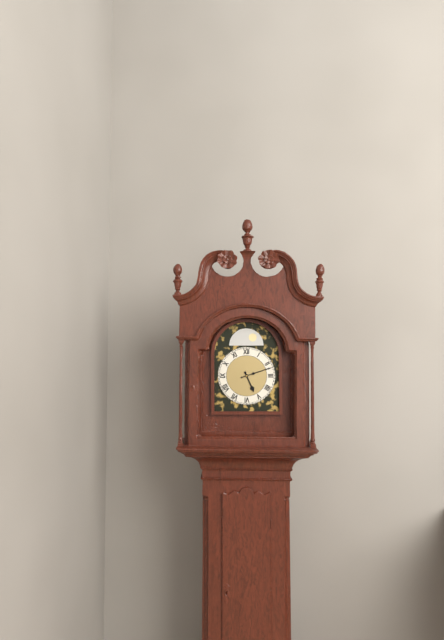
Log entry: 5:12
